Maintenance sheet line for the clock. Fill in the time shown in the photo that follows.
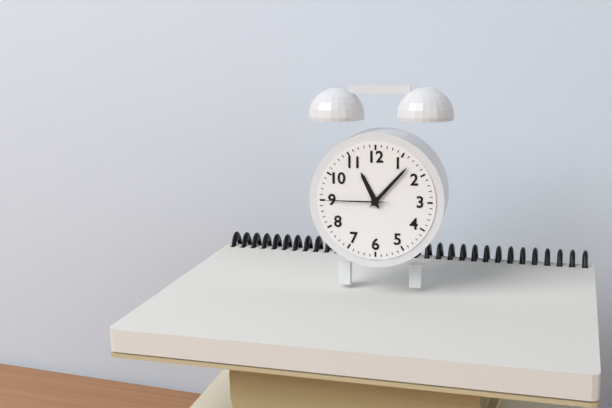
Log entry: 11:07:45
